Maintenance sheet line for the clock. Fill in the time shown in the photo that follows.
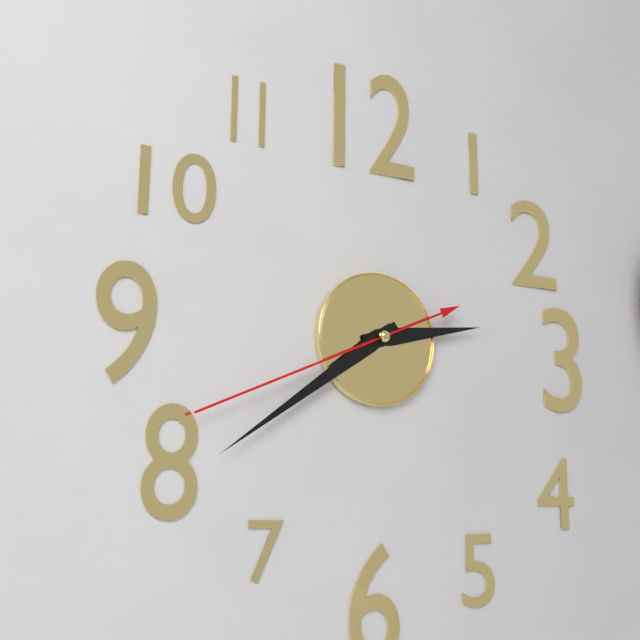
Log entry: 2:39:41
